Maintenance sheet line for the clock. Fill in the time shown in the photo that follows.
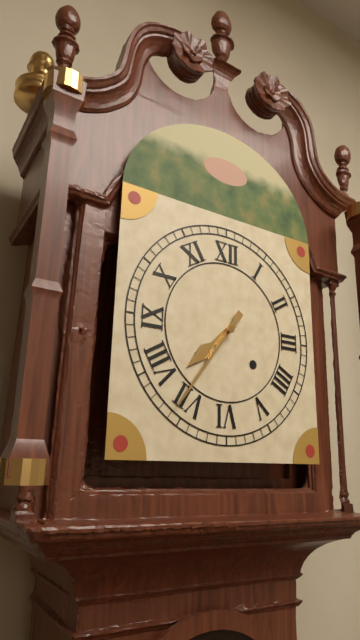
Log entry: 7:36
